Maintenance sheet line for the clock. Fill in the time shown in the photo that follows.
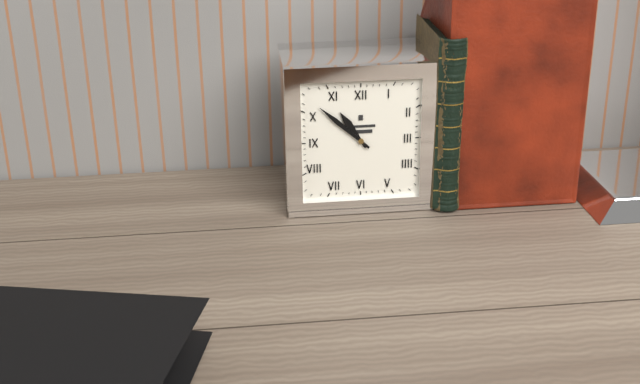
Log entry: 10:52
